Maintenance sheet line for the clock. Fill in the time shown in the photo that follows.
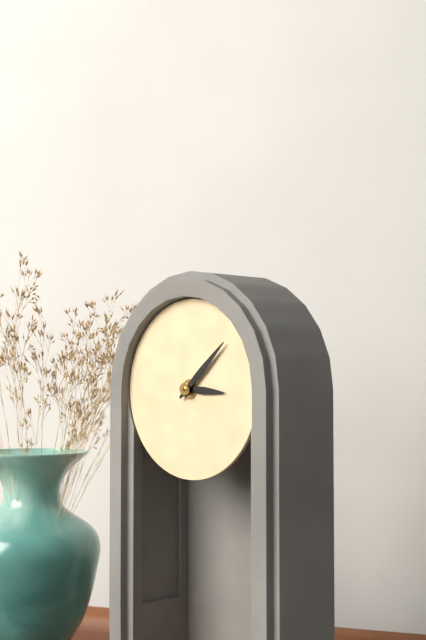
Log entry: 3:08
